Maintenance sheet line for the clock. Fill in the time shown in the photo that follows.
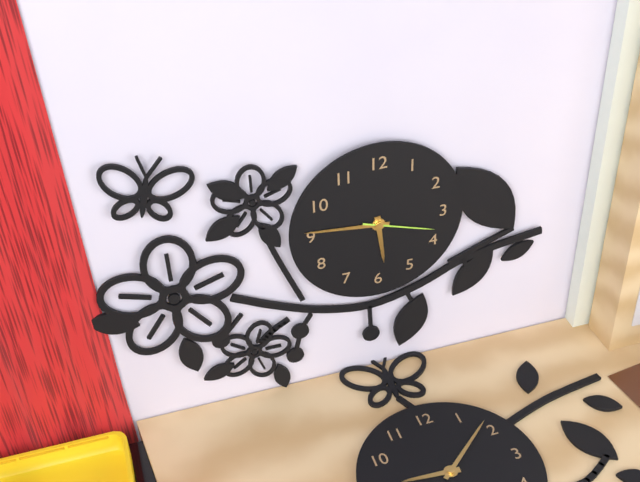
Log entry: 5:46:18
